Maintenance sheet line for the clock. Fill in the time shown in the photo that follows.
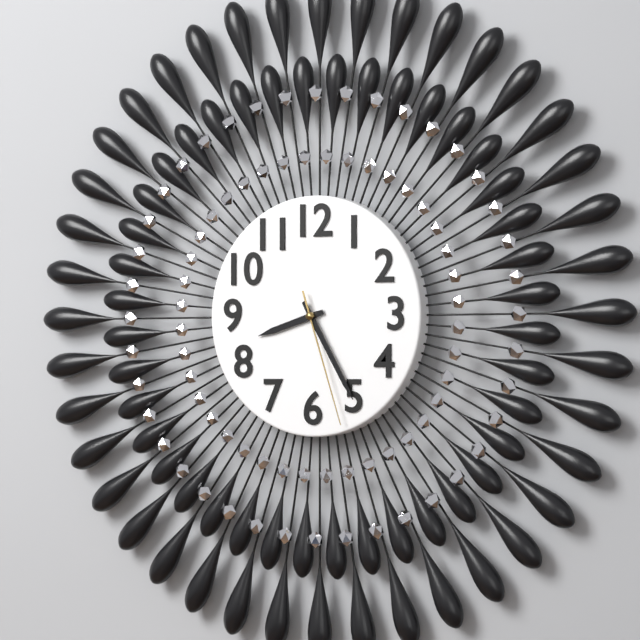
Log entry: 8:25:27
